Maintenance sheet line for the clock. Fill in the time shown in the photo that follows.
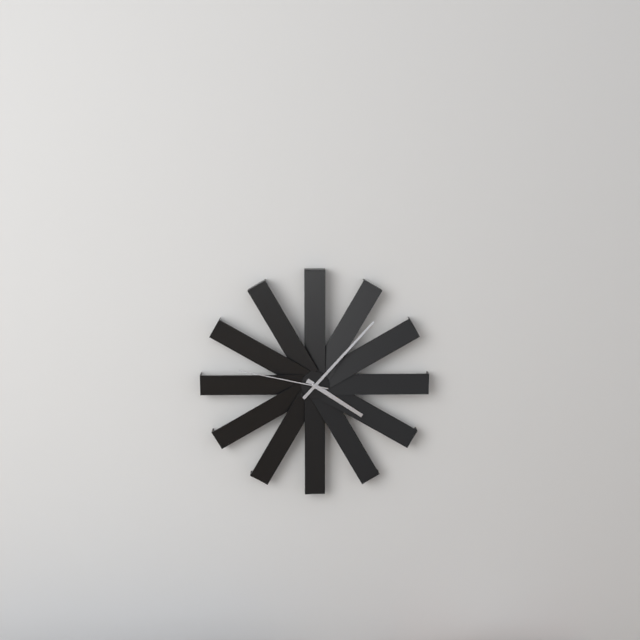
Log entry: 4:07:47
